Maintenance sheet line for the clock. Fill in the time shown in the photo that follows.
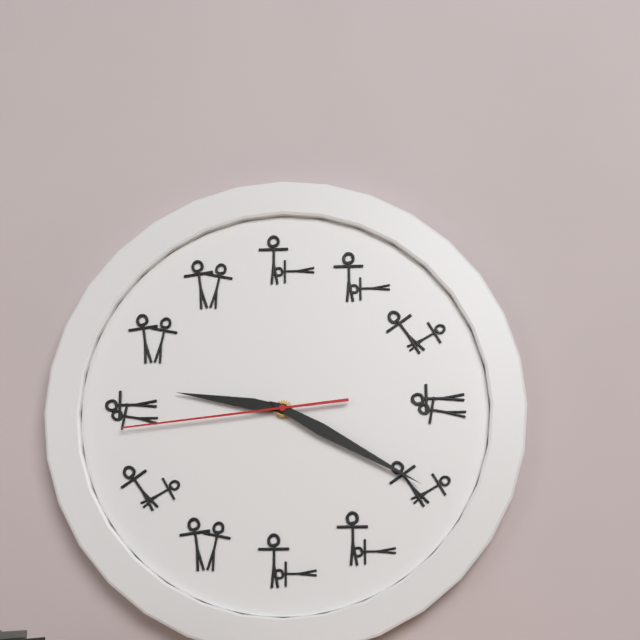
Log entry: 9:20:44
